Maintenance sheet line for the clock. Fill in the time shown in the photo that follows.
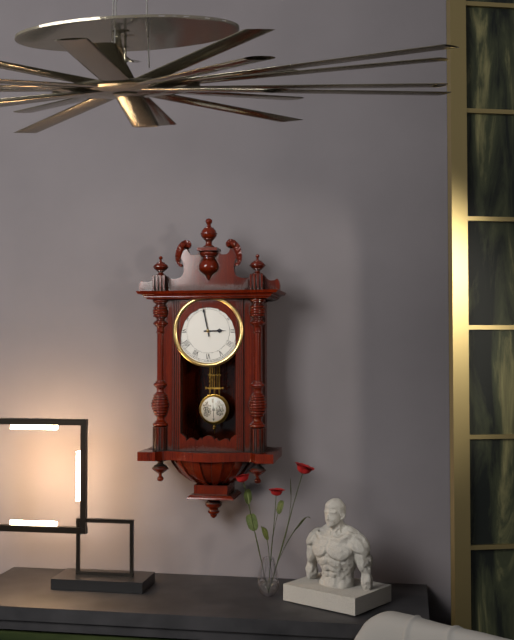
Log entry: 2:58
